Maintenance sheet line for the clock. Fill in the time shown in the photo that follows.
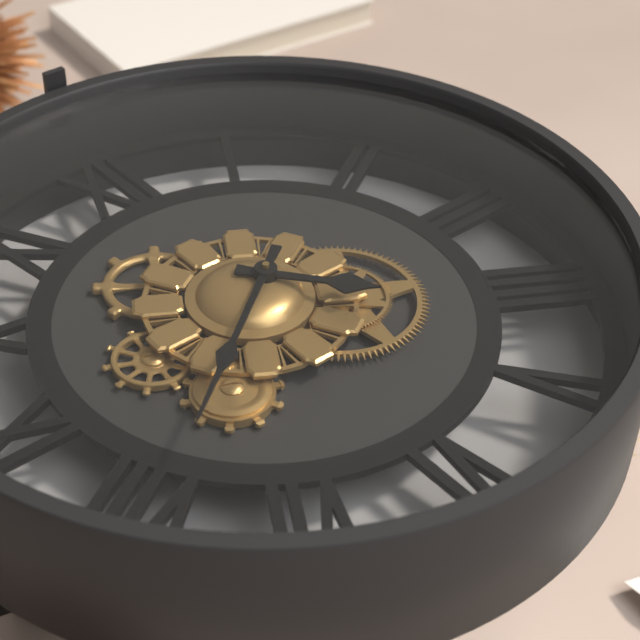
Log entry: 4:39
